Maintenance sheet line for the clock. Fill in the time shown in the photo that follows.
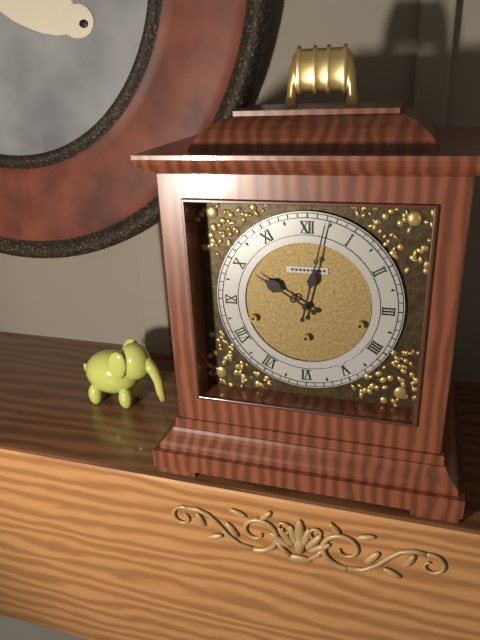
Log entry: 10:02
